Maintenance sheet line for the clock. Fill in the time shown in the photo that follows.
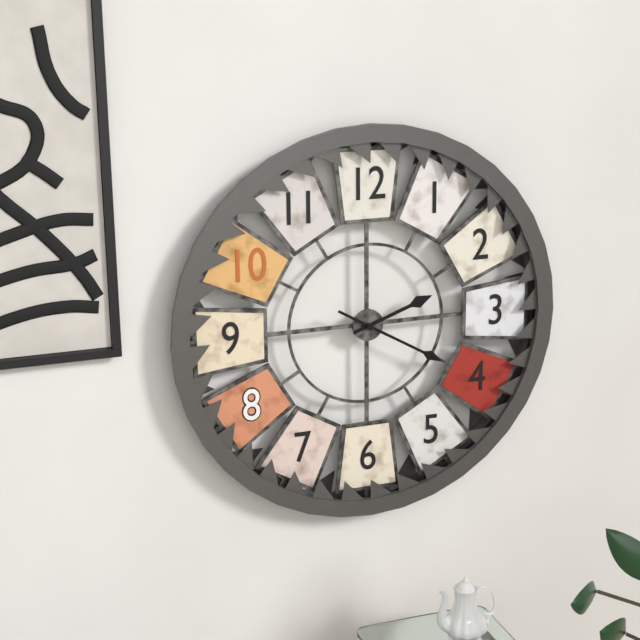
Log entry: 2:20
